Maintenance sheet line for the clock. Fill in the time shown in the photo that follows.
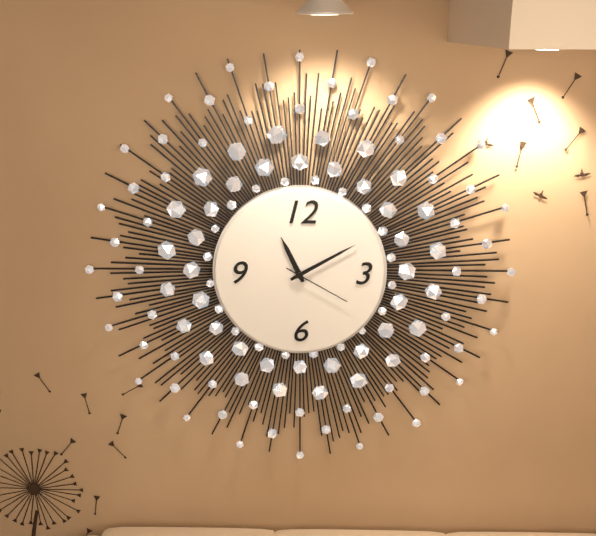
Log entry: 11:10:20
